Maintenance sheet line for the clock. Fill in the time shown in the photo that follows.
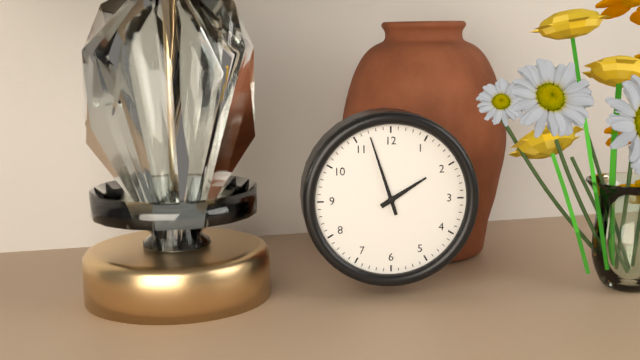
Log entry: 1:57
